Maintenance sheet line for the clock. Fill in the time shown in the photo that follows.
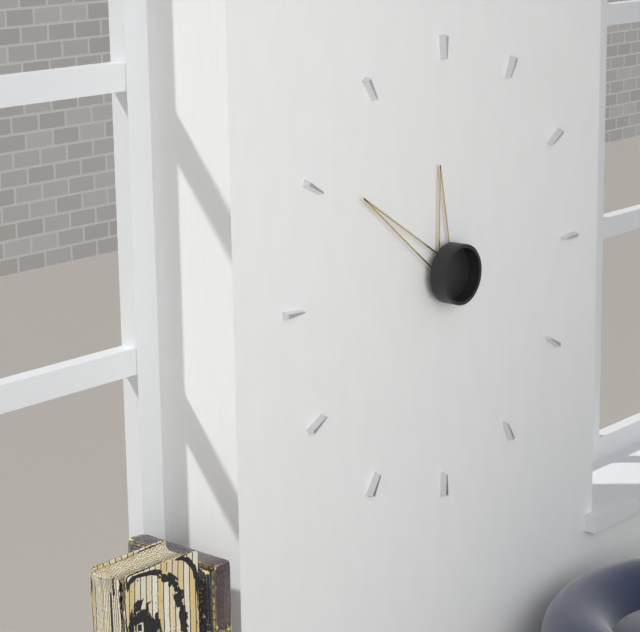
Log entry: 11:51
